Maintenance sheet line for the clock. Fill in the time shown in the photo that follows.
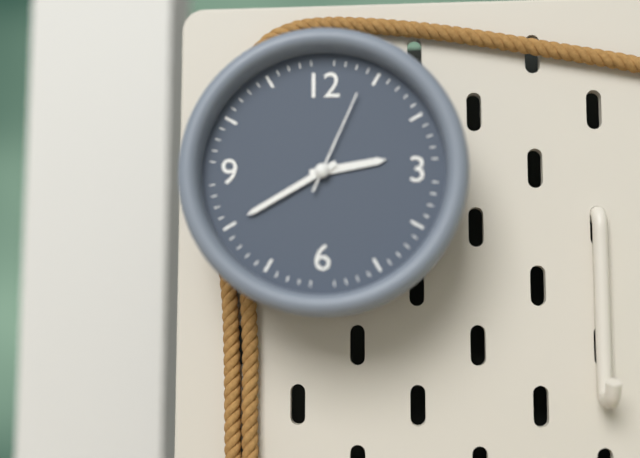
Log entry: 2:40:04
